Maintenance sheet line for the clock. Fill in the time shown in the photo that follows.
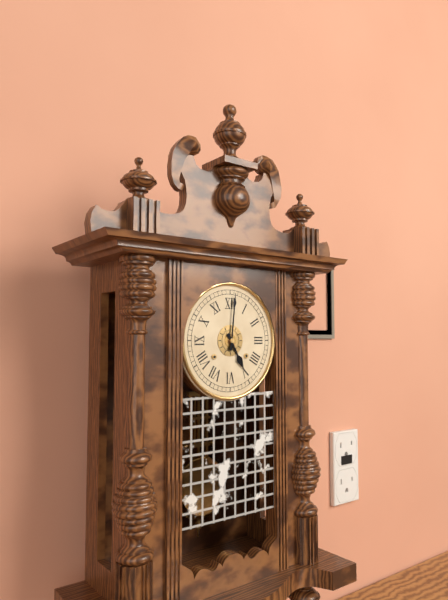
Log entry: 5:01
